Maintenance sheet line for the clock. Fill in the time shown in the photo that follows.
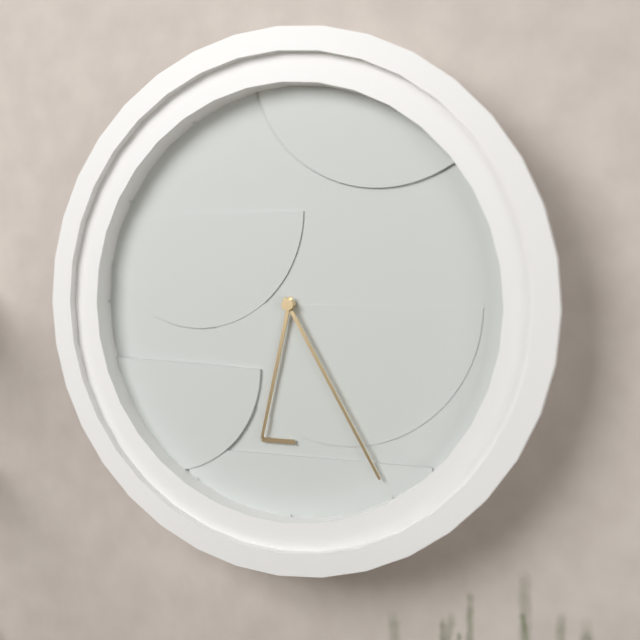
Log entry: 6:25
